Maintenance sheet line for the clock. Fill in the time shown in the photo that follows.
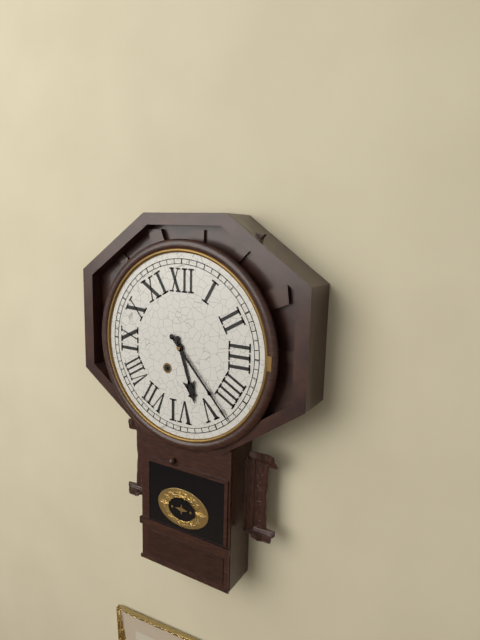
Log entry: 5:23
